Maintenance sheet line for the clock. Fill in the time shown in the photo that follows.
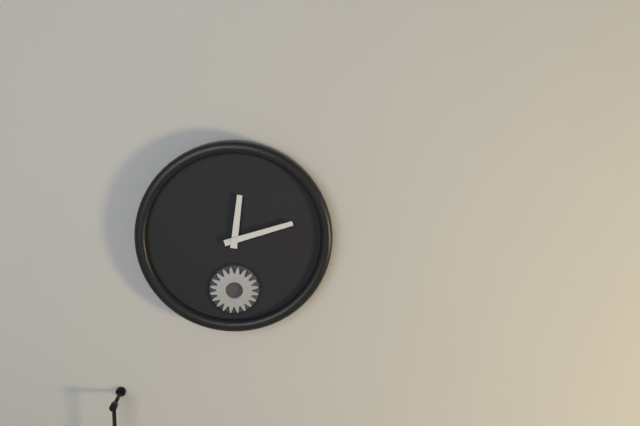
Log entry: 12:12
